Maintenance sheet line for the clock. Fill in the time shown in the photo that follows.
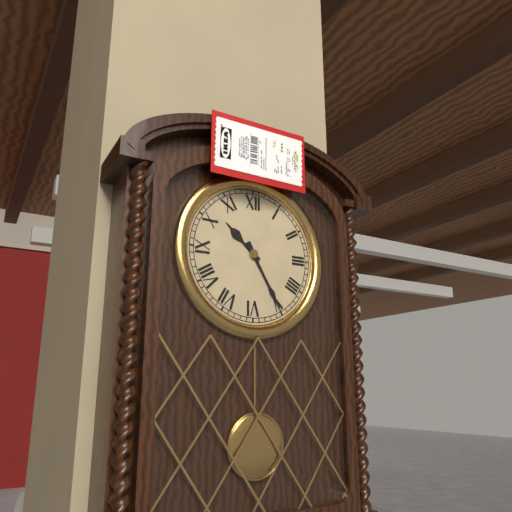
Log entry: 10:25
